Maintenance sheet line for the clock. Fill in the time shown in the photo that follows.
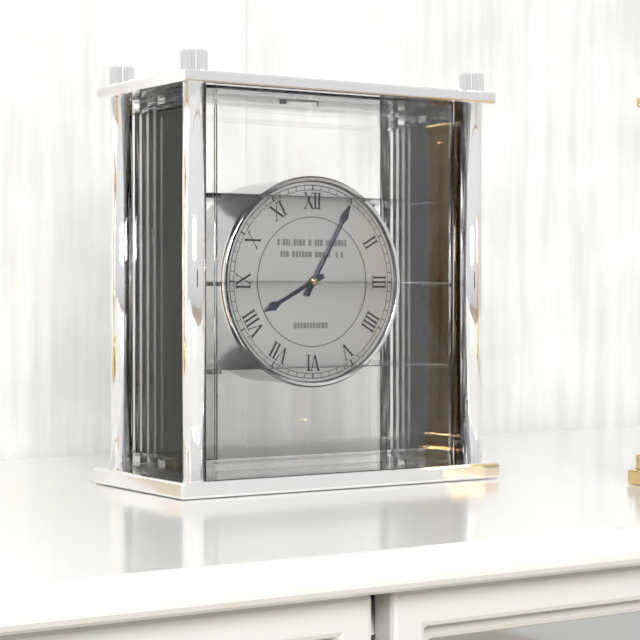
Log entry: 8:05
